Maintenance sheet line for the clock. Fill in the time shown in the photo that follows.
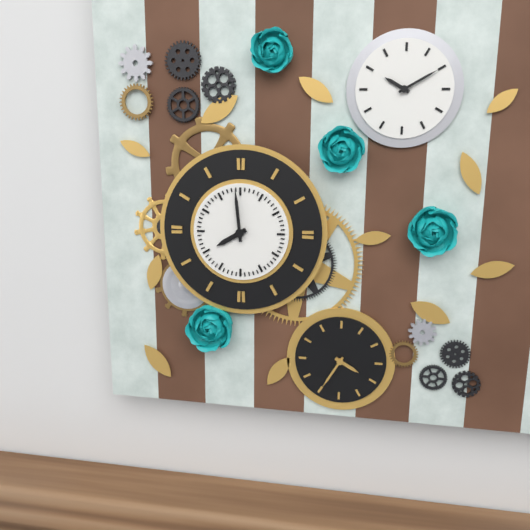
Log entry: 7:59
